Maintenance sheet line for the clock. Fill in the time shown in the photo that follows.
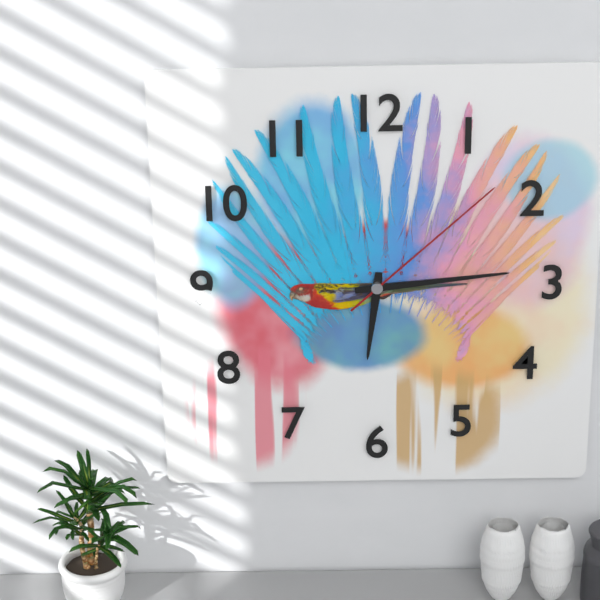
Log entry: 6:14:08
